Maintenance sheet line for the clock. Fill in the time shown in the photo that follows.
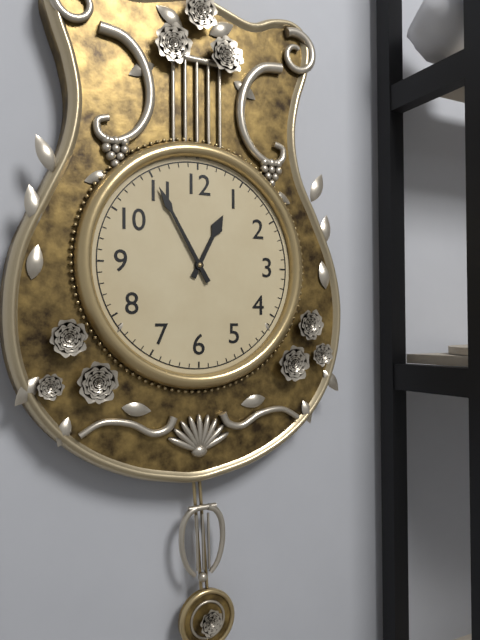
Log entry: 12:55
